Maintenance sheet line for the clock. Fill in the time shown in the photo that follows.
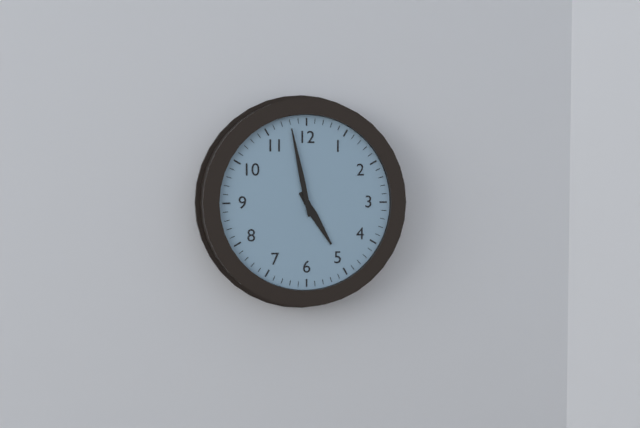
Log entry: 4:58
